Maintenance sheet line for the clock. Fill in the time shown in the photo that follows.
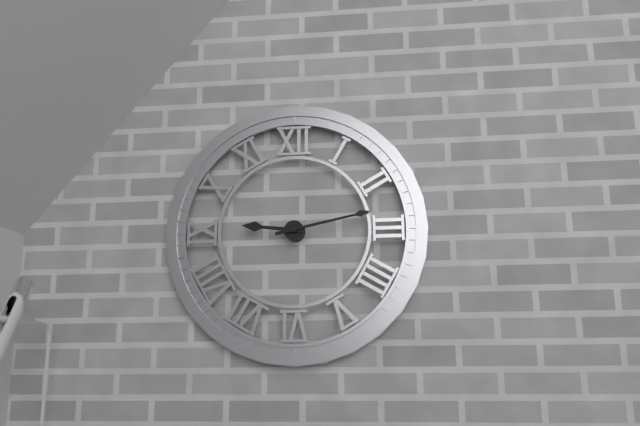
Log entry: 9:13
